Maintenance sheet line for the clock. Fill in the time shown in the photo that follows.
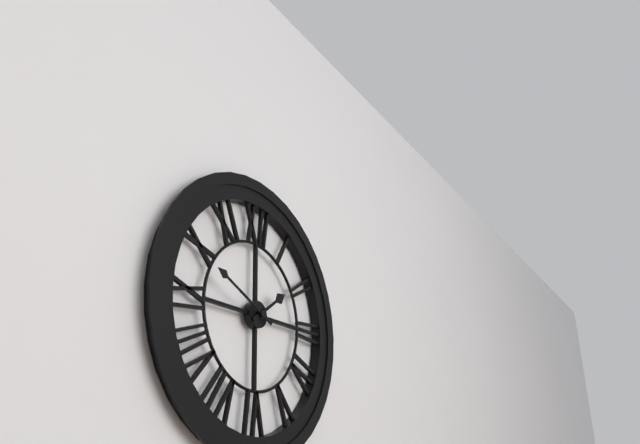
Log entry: 1:49
